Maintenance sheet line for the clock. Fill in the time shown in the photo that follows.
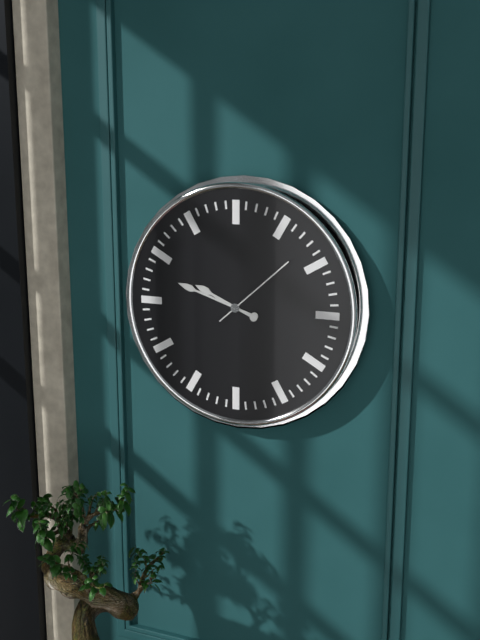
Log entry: 9:48:08
